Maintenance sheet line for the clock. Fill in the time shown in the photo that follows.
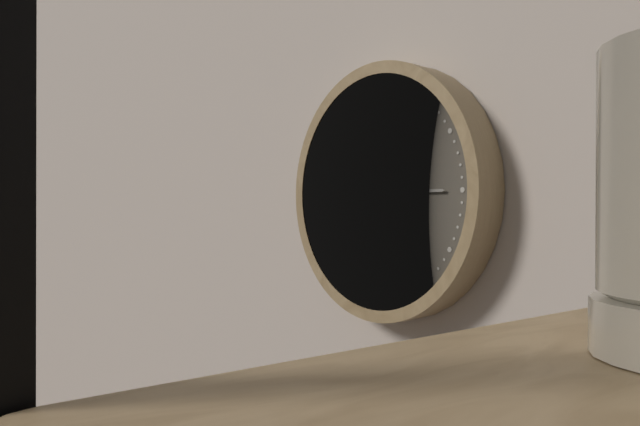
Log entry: 12:15
